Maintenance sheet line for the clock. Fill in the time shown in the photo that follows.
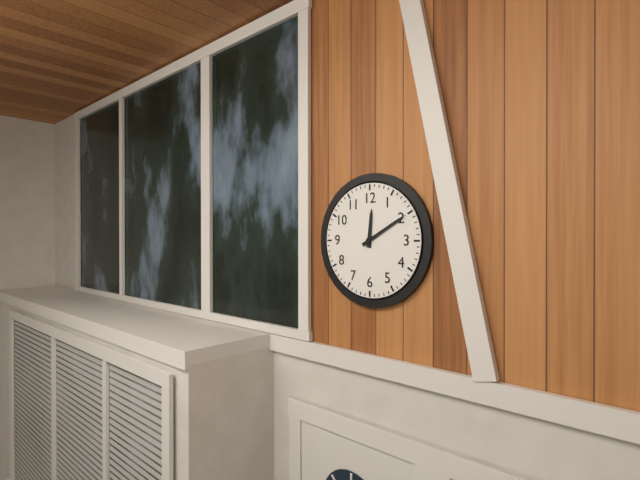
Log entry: 12:10
